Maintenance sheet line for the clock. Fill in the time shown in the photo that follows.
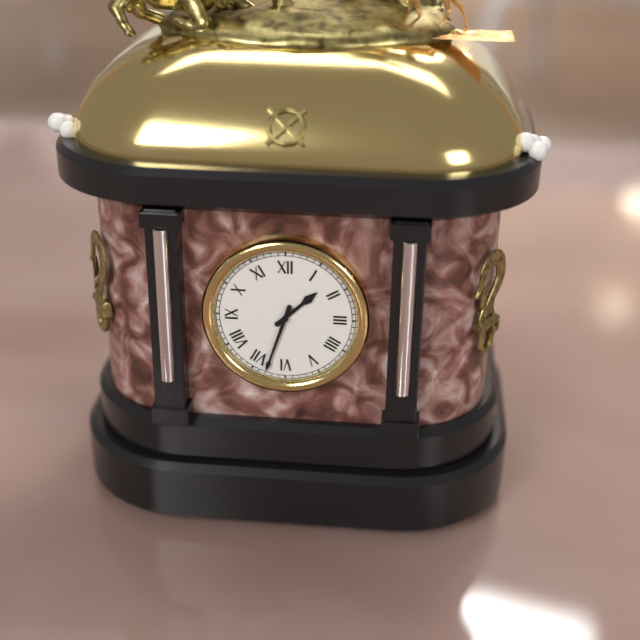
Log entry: 1:33
